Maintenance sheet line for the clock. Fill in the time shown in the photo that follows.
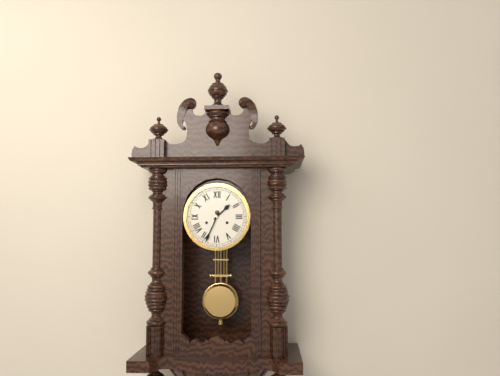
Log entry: 1:34
